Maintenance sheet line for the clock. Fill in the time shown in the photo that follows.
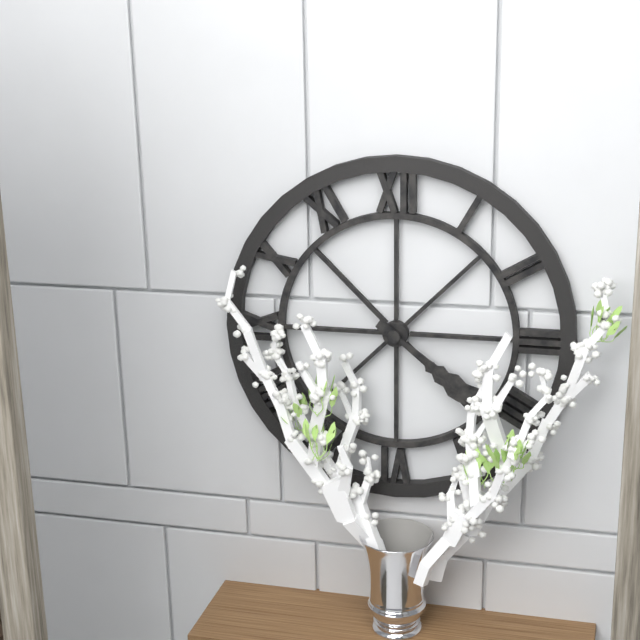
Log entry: 4:21
